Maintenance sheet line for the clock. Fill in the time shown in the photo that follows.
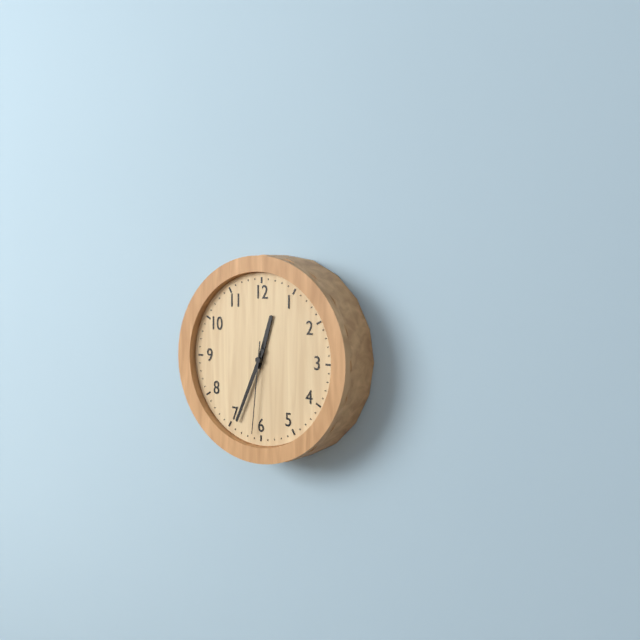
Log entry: 12:34:31
